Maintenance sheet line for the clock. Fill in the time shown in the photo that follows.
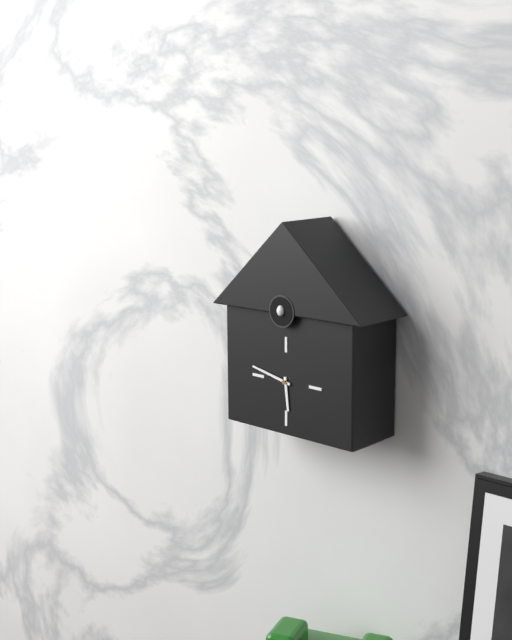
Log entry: 5:47
